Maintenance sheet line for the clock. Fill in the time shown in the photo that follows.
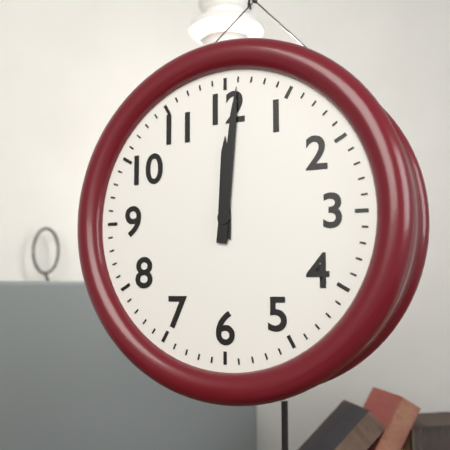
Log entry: 12:01
